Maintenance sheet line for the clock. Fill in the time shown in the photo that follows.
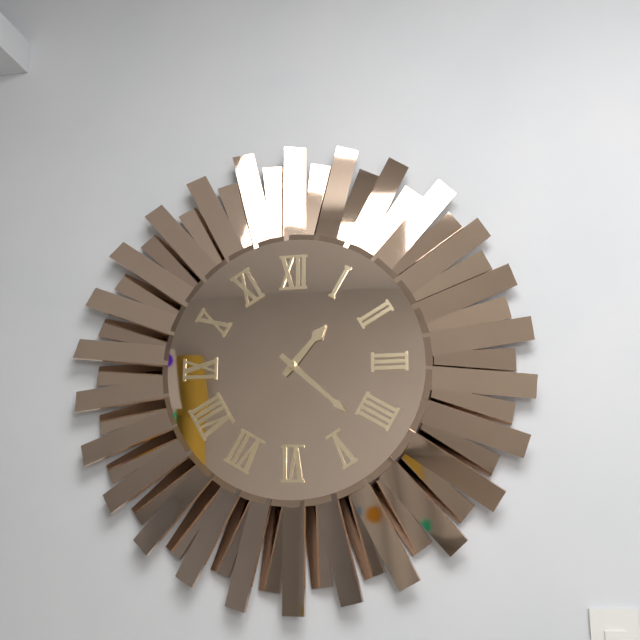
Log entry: 1:22
